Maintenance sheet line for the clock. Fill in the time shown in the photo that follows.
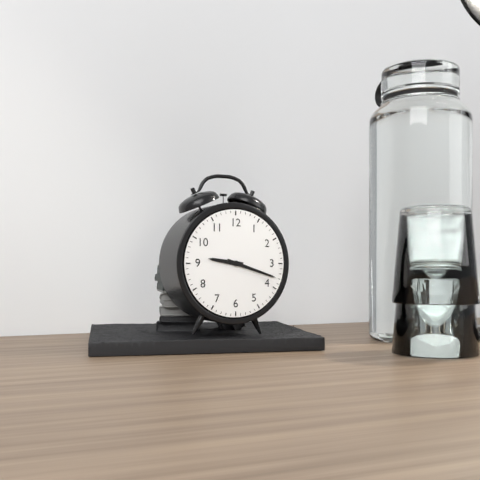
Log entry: 9:18
